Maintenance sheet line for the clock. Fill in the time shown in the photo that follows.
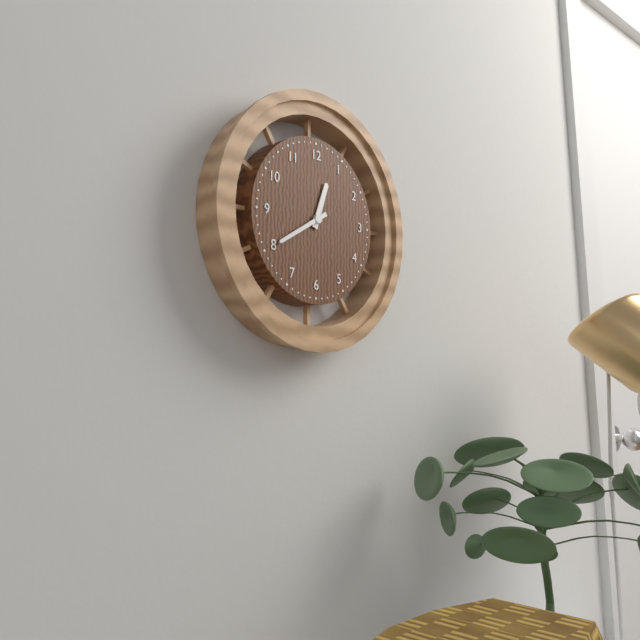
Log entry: 12:40
